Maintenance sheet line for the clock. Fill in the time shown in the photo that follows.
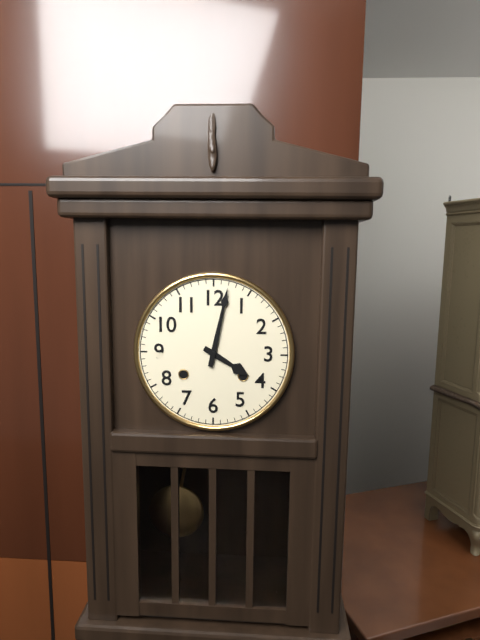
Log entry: 4:02
